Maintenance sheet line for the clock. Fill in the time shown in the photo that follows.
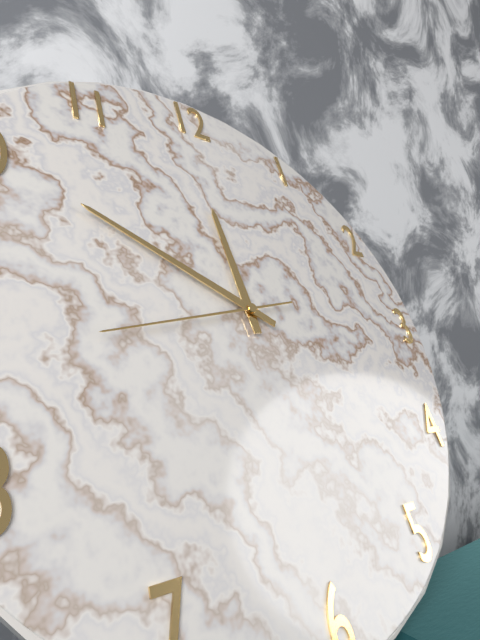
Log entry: 11:50:43
